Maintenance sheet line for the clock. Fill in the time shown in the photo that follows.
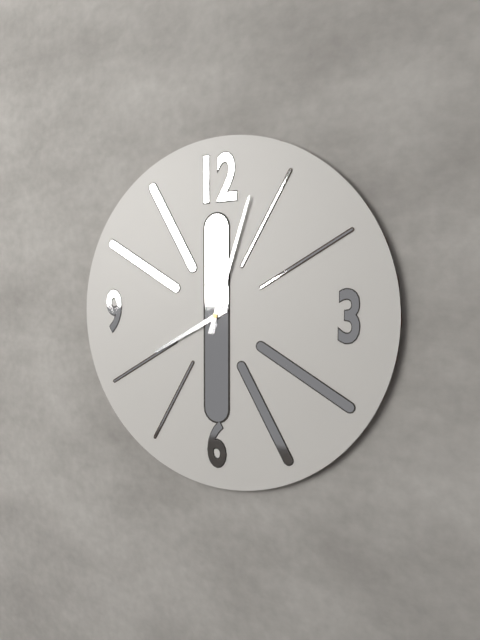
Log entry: 8:03
